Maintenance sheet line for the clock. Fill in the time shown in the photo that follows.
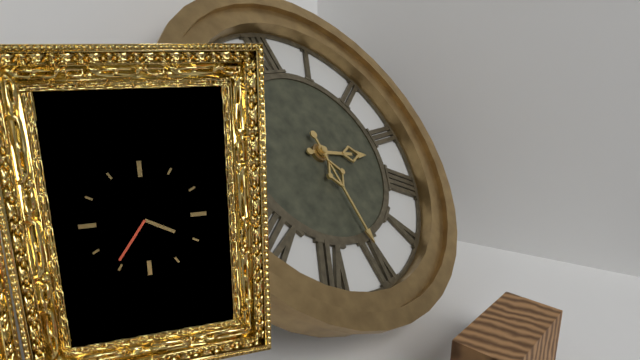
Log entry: 3:30
